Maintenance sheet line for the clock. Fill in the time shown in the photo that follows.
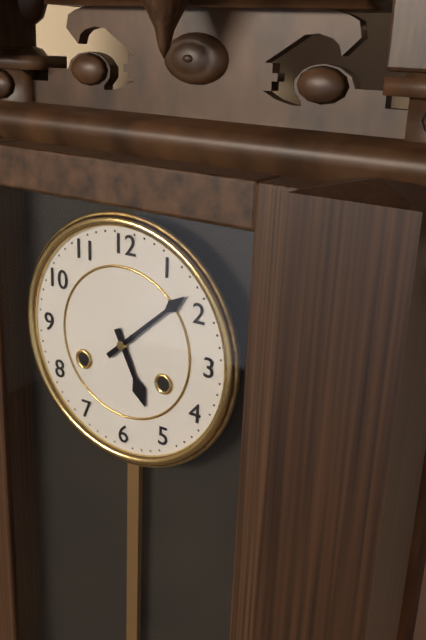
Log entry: 5:08
